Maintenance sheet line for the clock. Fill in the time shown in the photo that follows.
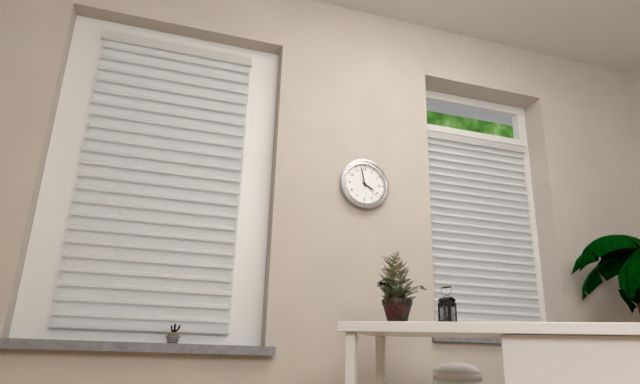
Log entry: 3:58
